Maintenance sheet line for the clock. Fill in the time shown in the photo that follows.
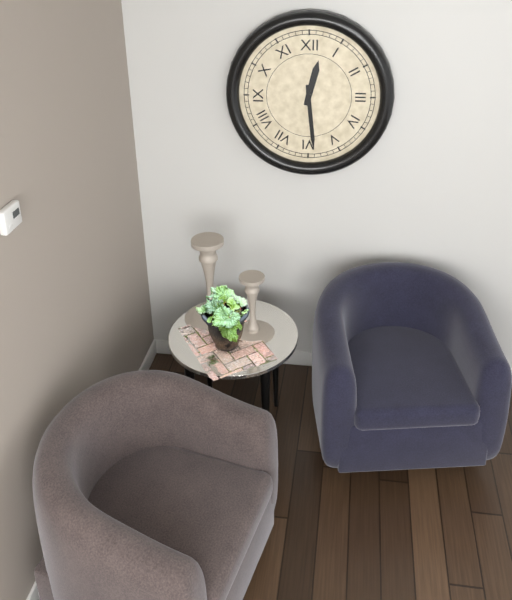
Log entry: 12:29
